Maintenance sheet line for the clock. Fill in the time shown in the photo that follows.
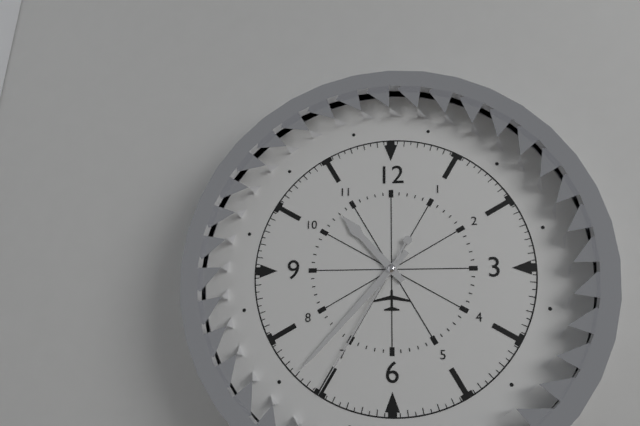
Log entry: 10:37:35
